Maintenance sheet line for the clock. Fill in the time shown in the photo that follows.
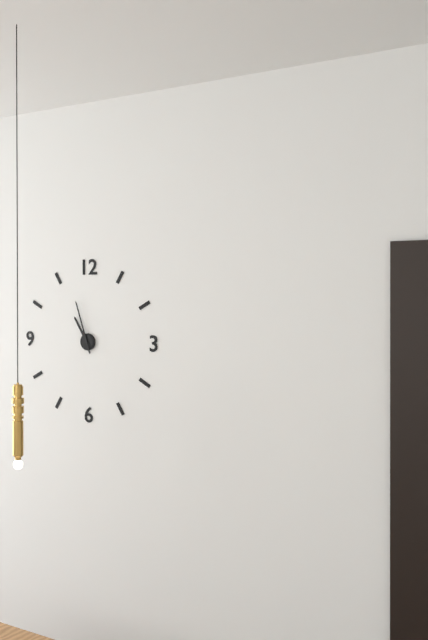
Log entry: 10:57
